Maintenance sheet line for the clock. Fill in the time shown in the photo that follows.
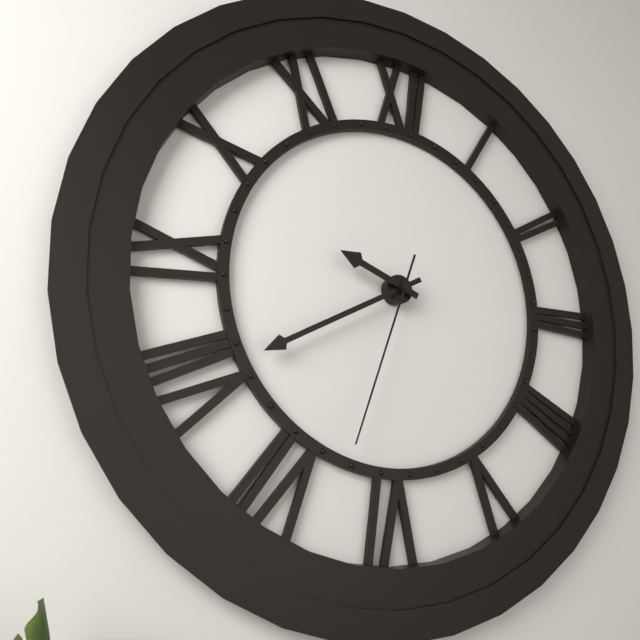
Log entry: 9:40:33
